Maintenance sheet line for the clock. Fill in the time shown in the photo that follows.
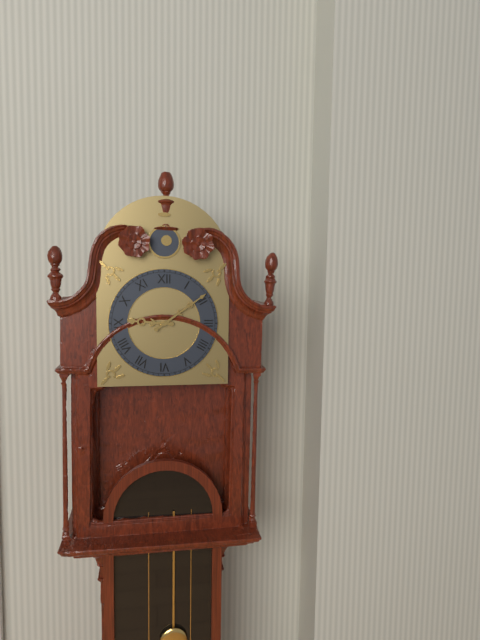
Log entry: 9:09
